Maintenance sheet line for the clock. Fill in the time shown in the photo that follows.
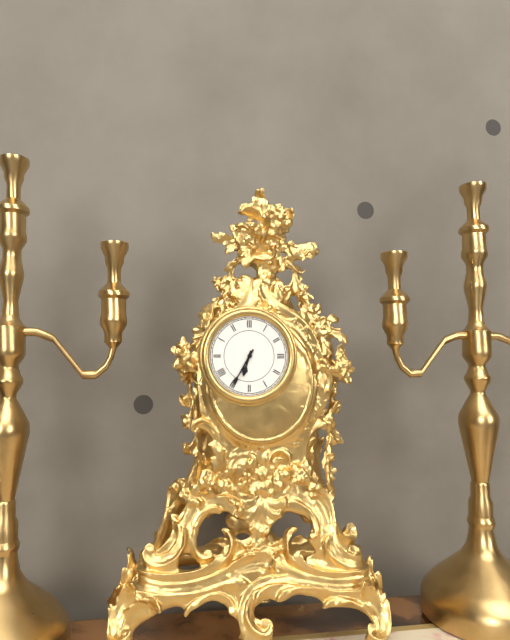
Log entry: 6:35
